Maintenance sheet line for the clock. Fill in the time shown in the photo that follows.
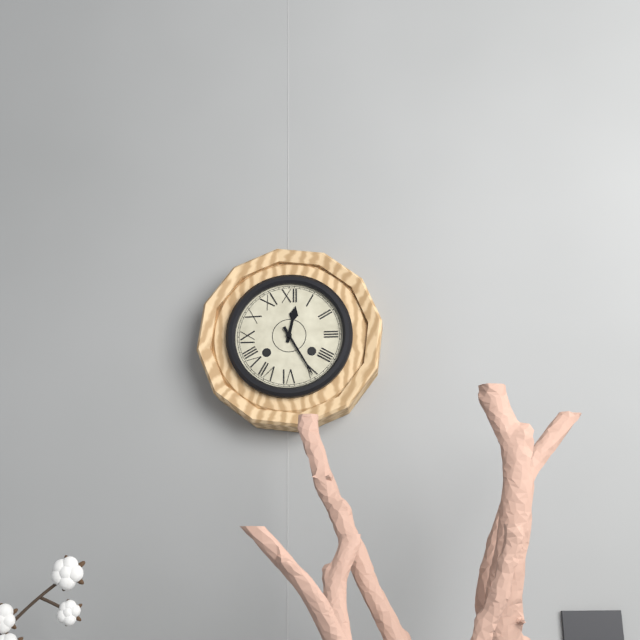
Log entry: 12:25
